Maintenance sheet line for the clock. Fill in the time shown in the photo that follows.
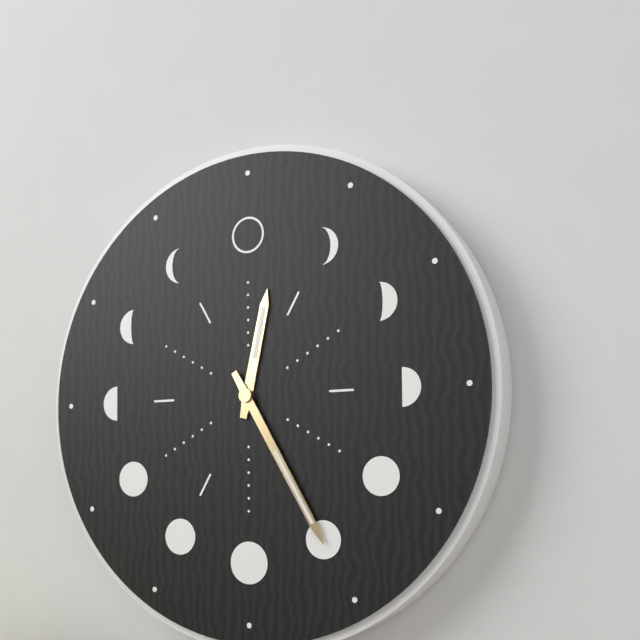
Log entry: 12:25
